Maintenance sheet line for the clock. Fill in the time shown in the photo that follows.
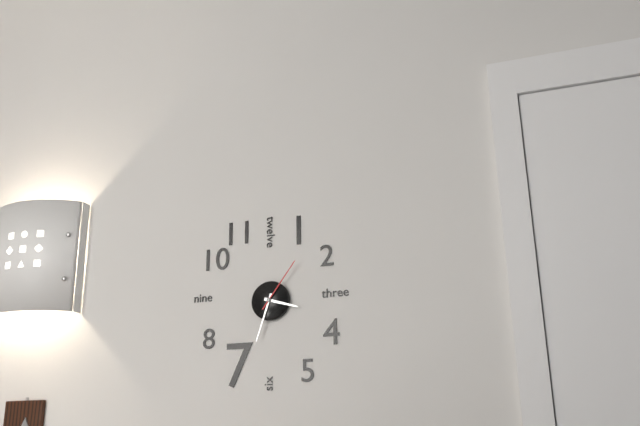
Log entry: 3:33:06
